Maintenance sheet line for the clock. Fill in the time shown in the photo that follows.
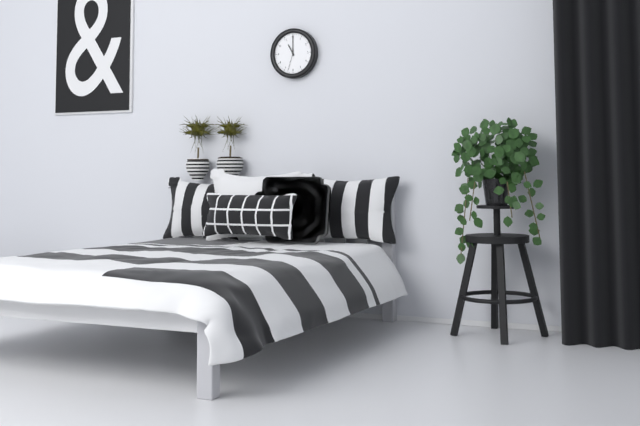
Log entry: 11:00
